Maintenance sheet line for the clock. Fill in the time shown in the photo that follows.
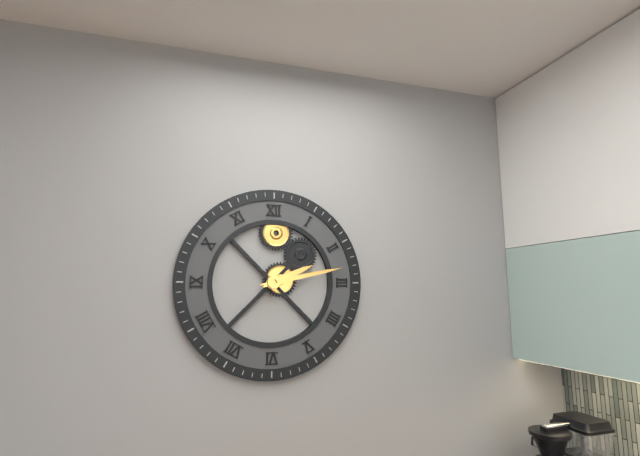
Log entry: 2:13
